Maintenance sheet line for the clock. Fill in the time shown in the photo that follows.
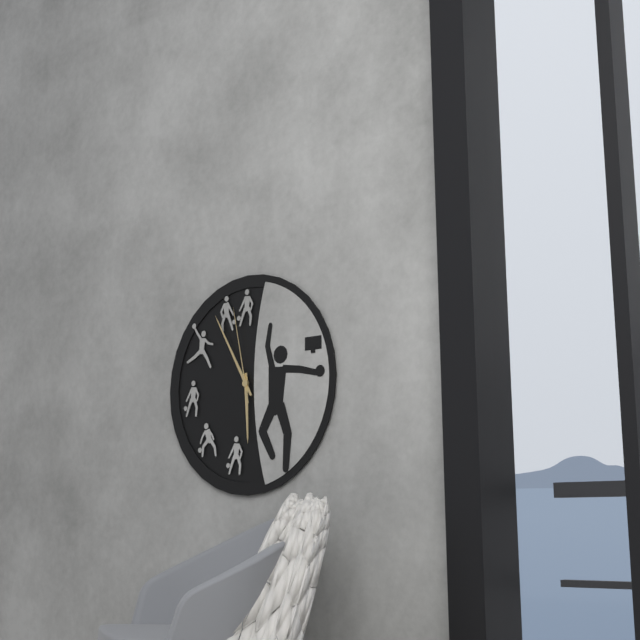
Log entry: 5:55:58
